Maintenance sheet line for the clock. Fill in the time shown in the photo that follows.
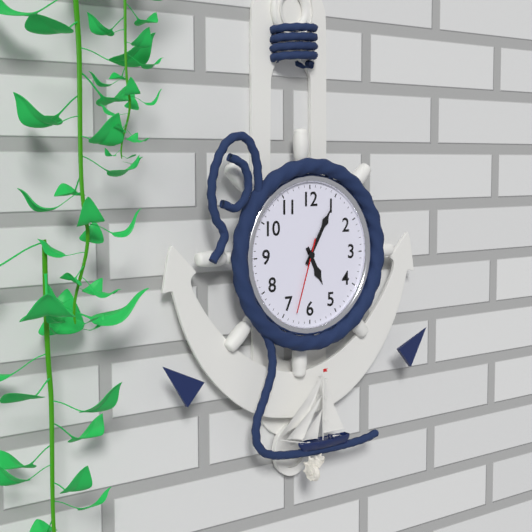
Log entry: 5:05:33
